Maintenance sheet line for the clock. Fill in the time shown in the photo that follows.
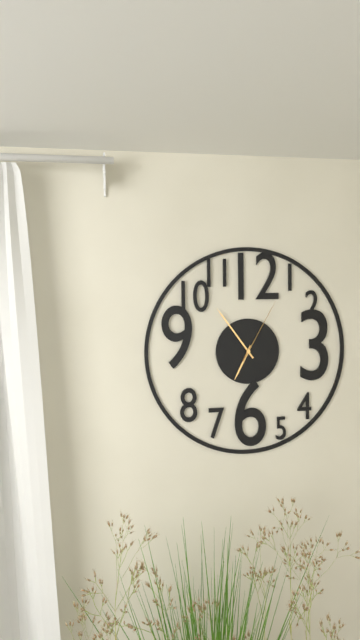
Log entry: 6:54:05
